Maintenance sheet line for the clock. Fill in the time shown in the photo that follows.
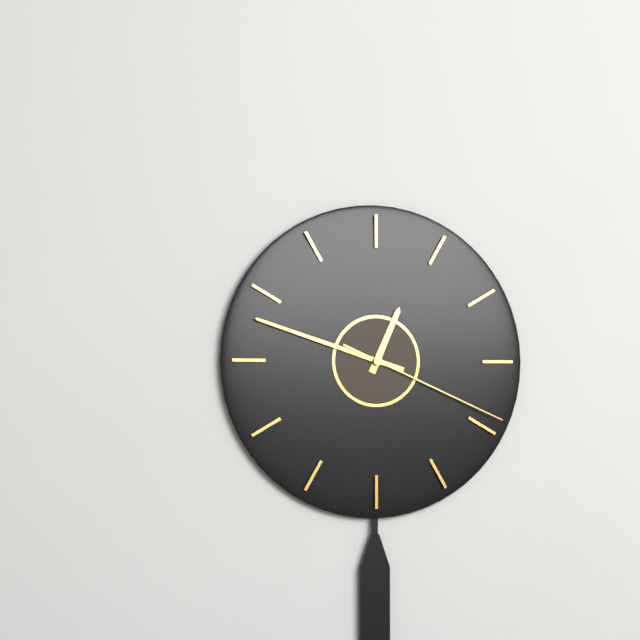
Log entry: 12:48:19
